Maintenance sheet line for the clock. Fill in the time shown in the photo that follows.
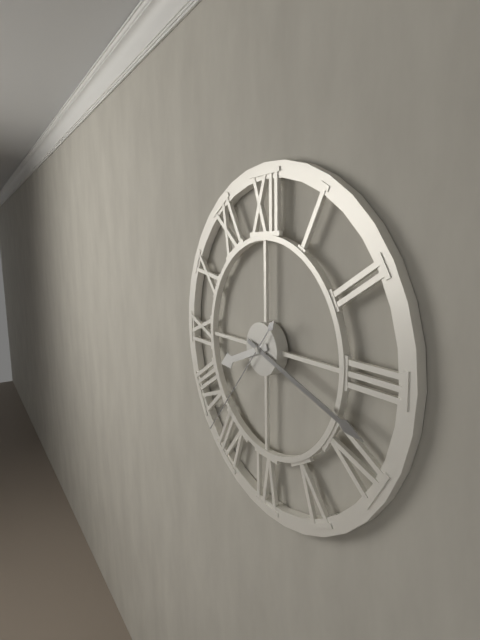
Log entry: 8:18:37
